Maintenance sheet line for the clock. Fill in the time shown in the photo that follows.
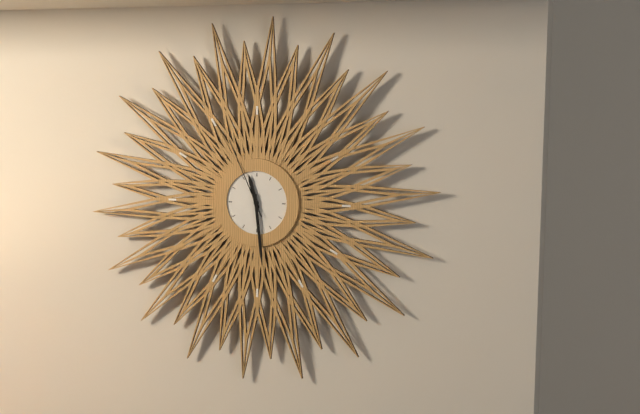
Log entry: 11:29:56
